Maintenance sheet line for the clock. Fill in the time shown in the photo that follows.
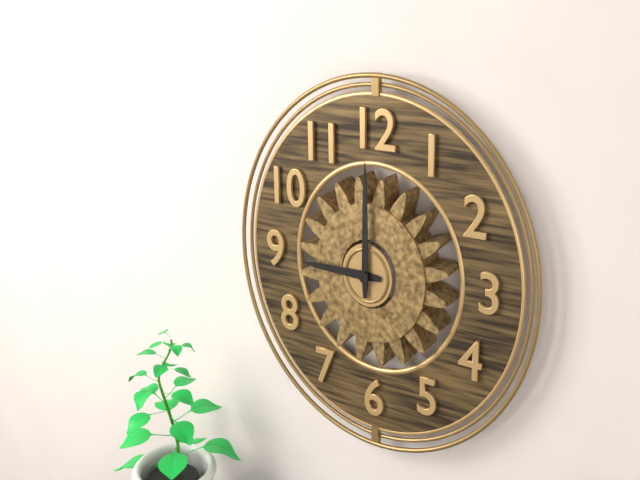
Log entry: 9:00
